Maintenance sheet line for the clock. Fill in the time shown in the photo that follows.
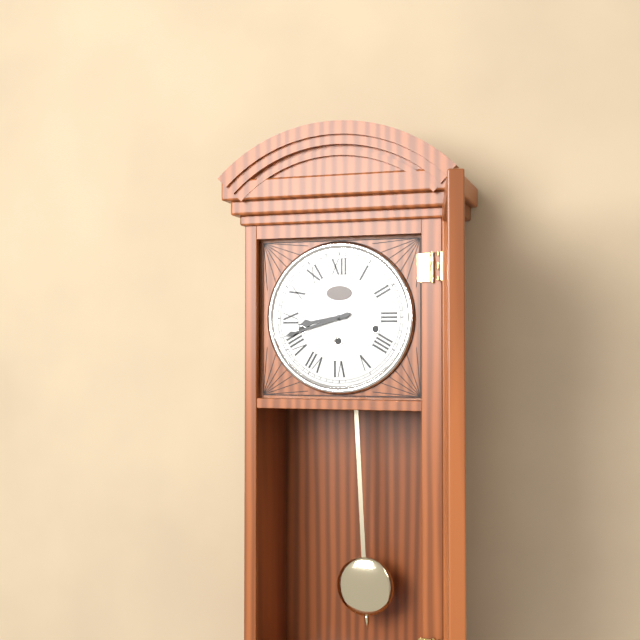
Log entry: 8:42
